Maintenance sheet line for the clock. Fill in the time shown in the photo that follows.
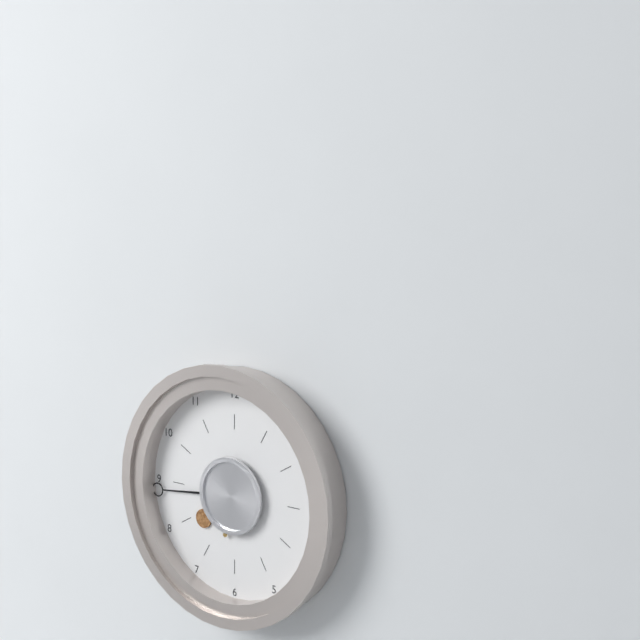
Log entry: 7:44
